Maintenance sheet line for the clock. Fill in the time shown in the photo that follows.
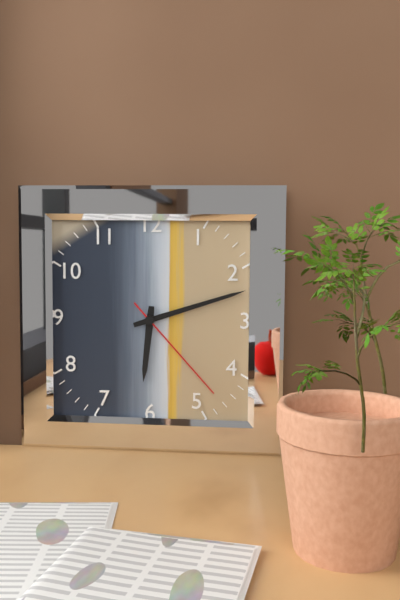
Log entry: 6:12:23
